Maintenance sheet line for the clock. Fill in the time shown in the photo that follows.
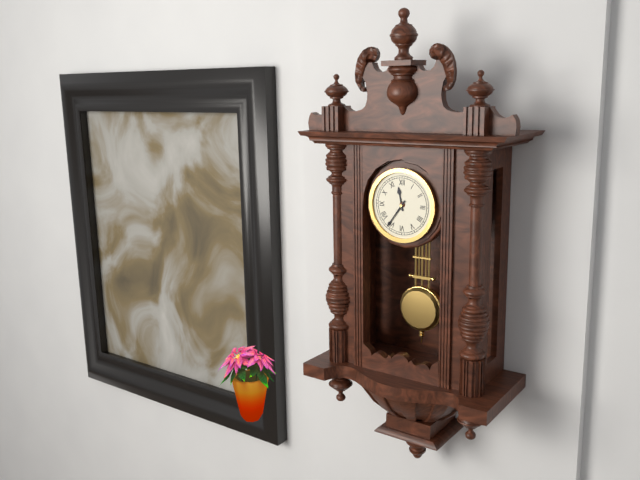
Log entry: 11:36
